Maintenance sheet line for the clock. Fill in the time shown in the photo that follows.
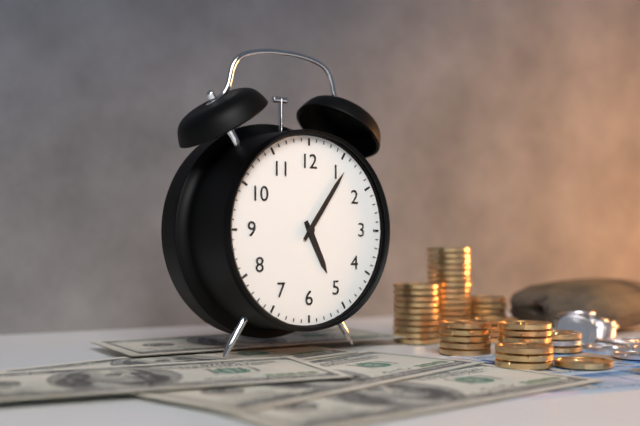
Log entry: 5:06
